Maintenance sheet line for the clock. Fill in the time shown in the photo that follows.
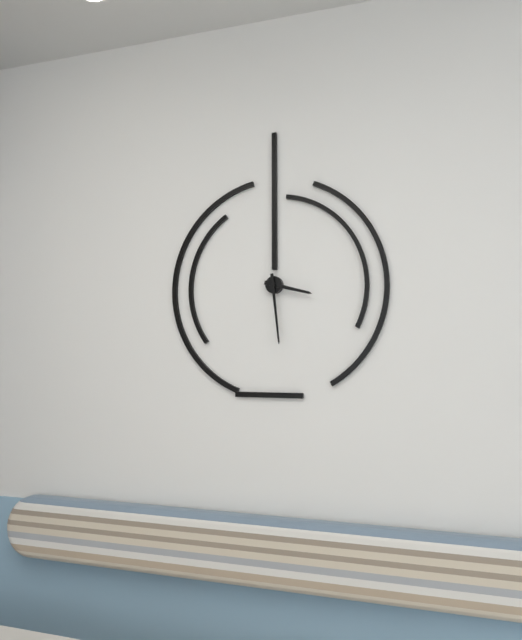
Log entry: 3:29
